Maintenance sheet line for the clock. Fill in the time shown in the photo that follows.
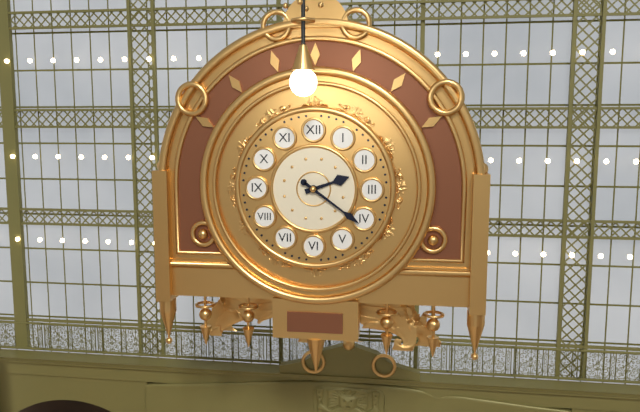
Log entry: 2:21
